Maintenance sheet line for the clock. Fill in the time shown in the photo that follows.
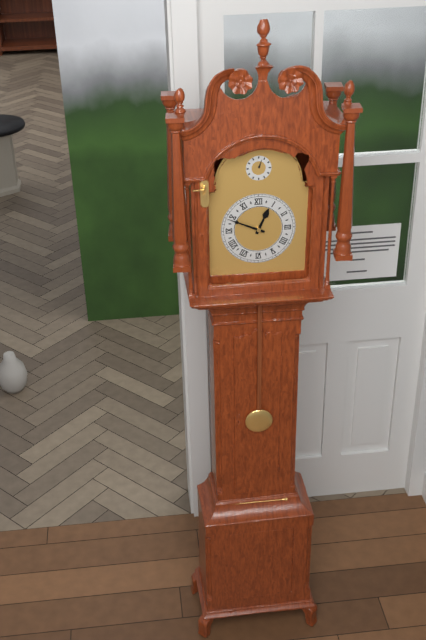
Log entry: 12:49
